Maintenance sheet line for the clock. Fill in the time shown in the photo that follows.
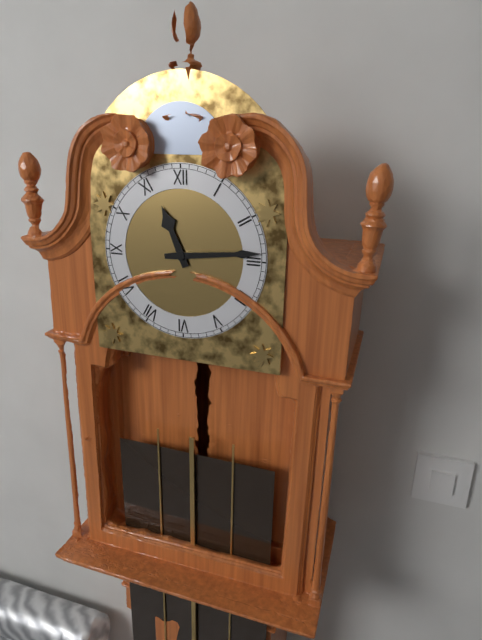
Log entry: 11:14
